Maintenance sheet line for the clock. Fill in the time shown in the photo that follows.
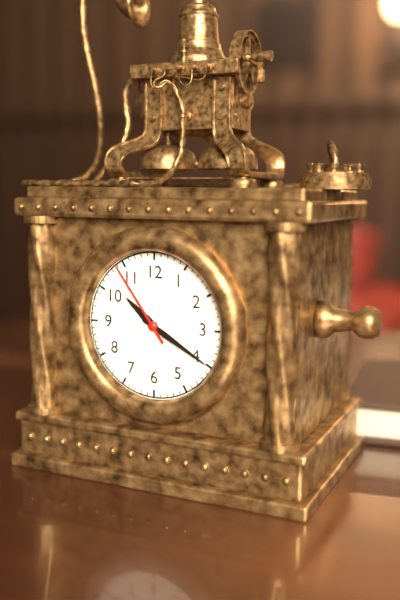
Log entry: 10:20:54
